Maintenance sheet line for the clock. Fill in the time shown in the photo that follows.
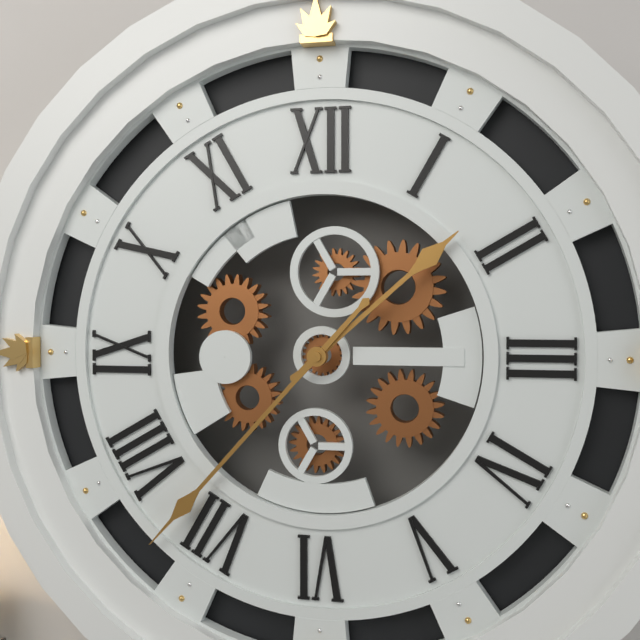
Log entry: 1:37
